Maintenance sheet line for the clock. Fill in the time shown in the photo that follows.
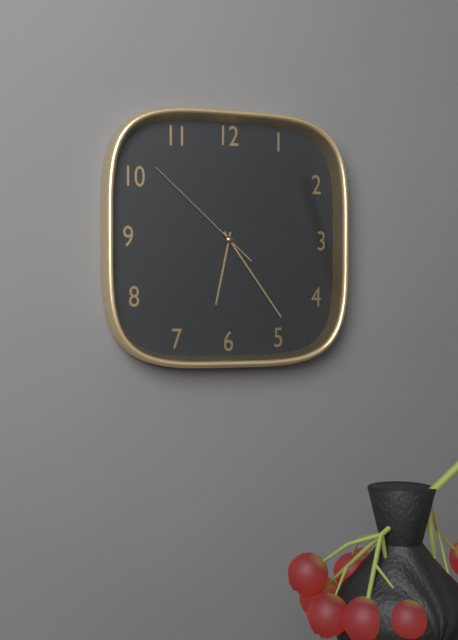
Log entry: 6:24:52
